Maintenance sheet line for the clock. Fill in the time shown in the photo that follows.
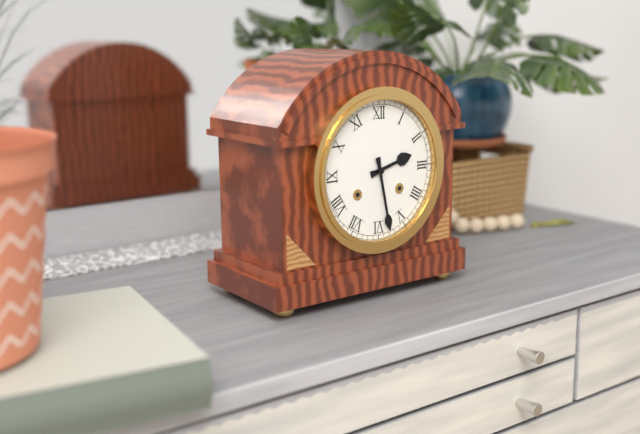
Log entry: 2:28
